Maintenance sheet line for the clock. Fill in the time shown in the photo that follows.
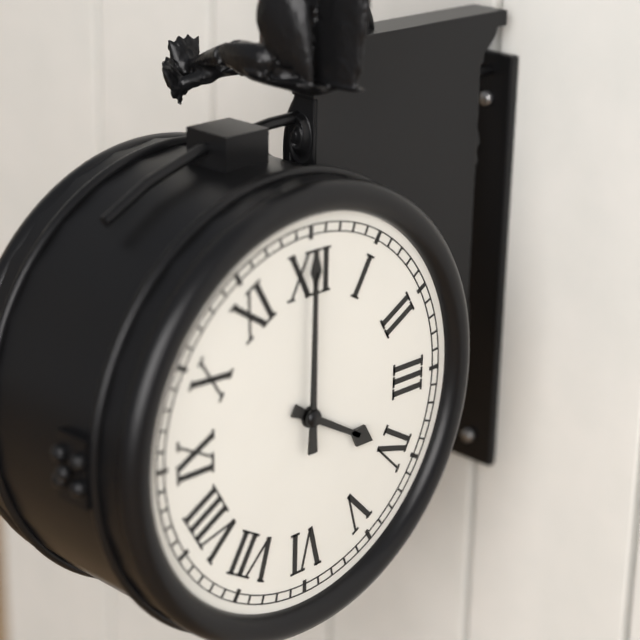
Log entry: 4:00
